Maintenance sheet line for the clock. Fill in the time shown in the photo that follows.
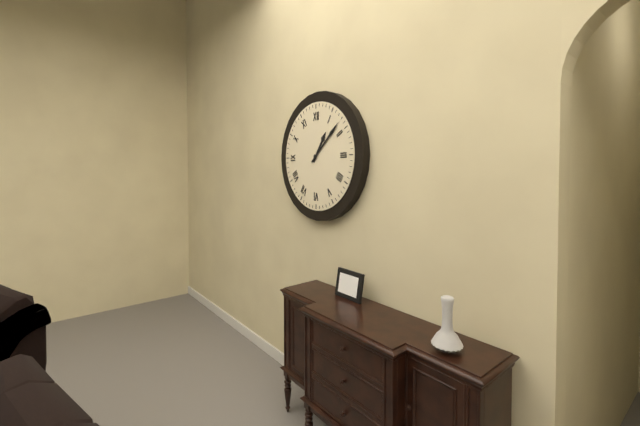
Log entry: 1:08
